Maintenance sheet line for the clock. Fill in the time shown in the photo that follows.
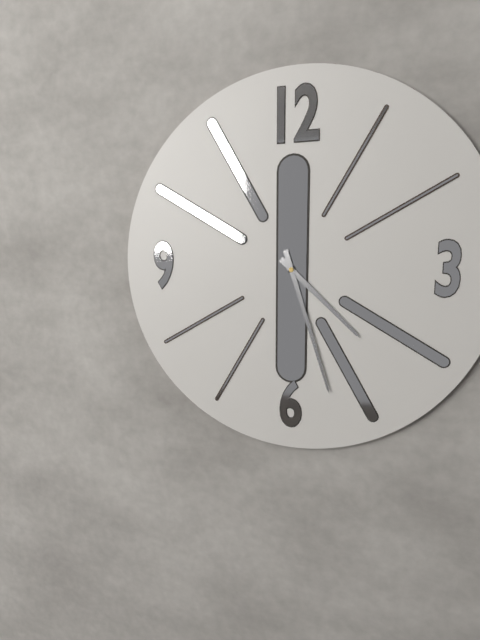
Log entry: 4:27
